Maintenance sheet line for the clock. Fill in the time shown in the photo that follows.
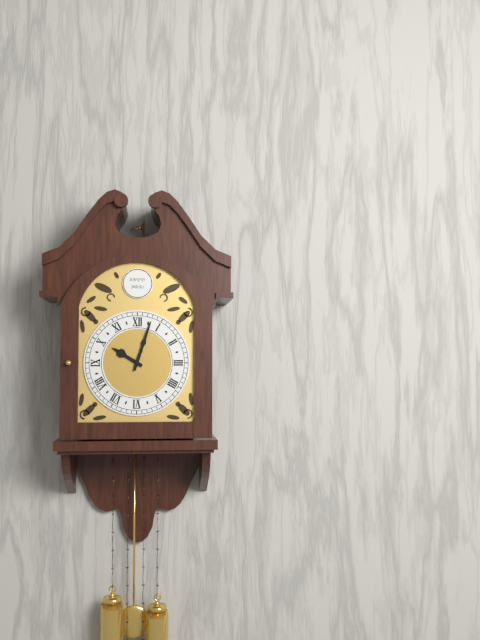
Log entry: 10:03
